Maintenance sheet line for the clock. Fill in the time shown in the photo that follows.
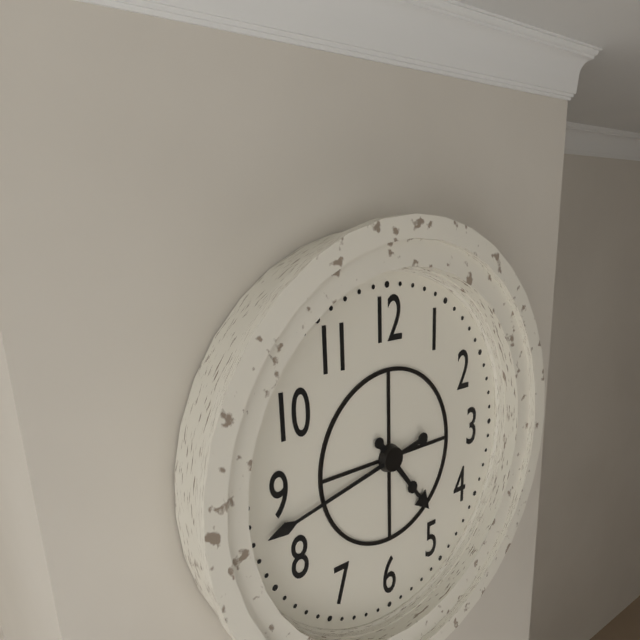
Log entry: 4:43
